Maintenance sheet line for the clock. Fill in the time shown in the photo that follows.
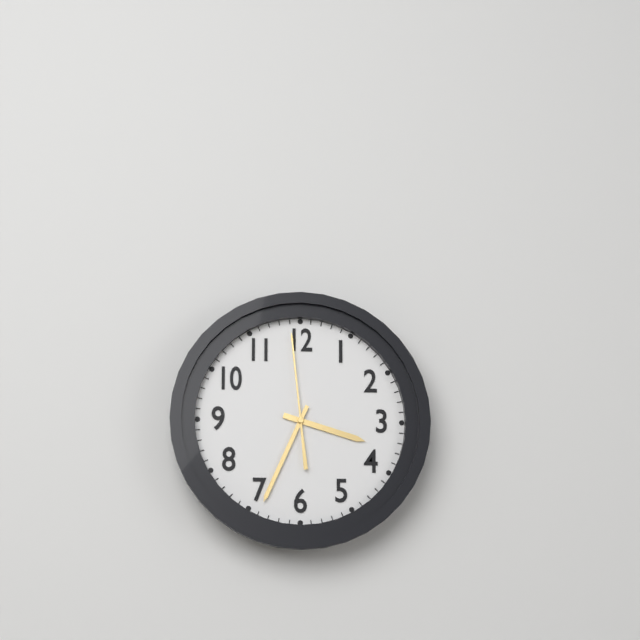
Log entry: 3:34:59
